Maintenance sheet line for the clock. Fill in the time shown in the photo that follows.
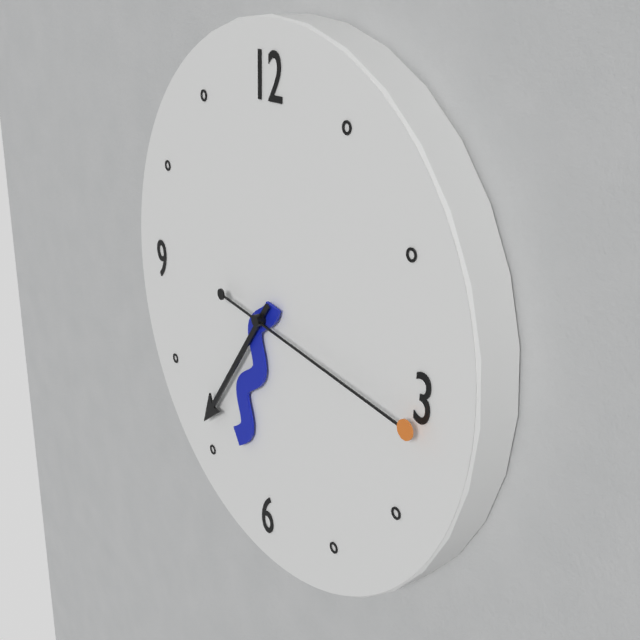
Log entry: 6:36:16
